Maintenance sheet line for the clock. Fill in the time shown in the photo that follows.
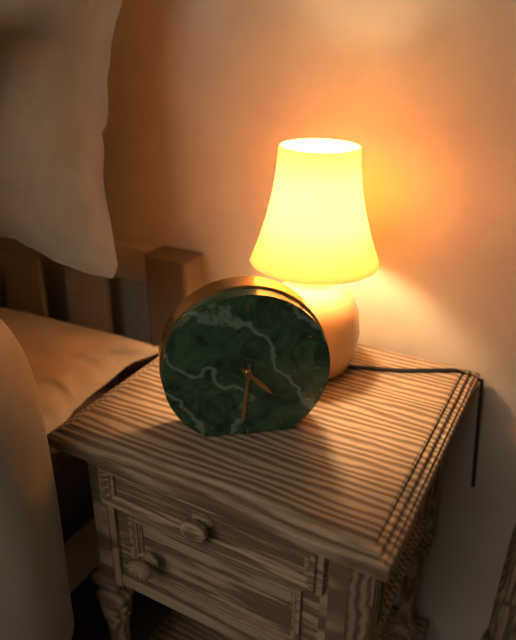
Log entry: 4:31
